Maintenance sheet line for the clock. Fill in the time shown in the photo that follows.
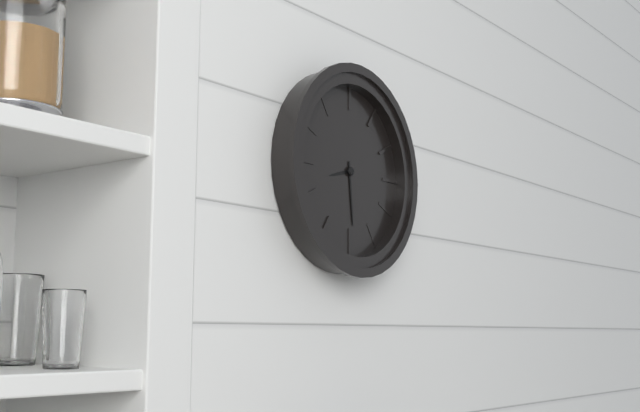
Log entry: 8:29
